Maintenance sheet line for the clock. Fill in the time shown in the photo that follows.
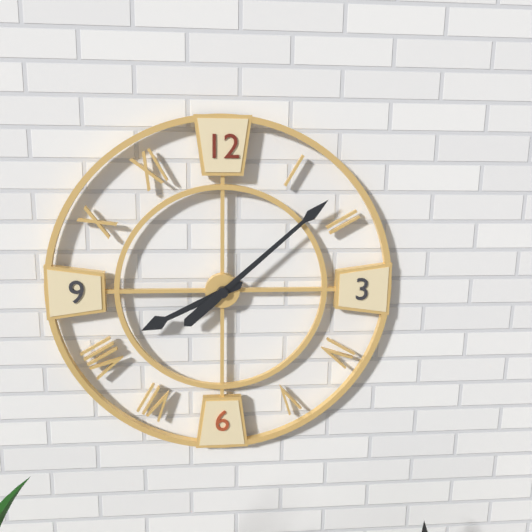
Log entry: 8:08
